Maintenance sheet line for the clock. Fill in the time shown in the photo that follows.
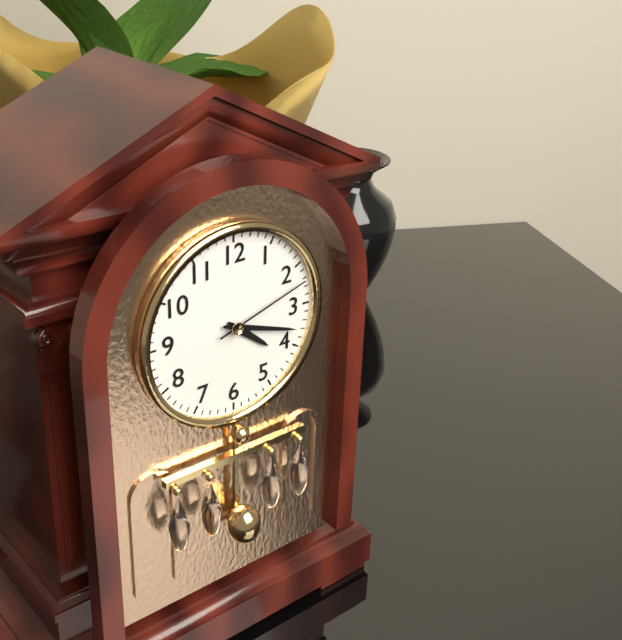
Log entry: 4:18:12
